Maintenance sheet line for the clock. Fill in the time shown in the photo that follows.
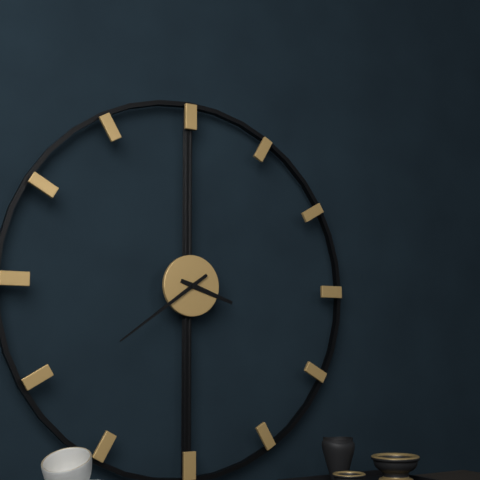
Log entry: 3:39
